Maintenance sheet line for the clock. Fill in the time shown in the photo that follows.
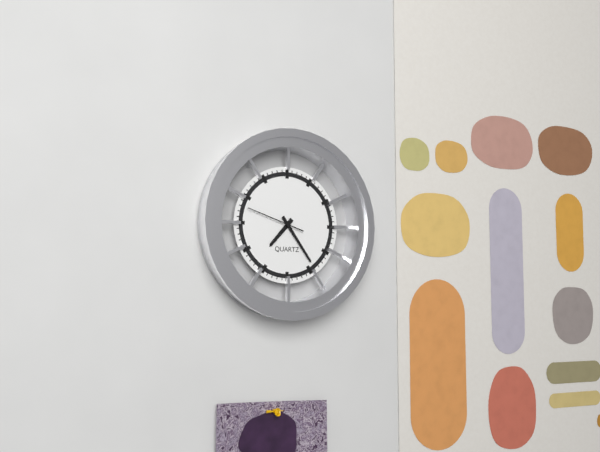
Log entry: 7:24:48
